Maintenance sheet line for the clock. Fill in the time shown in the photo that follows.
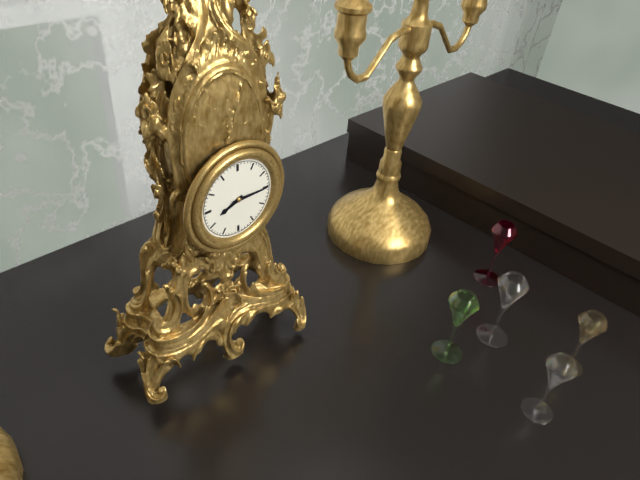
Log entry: 8:15
